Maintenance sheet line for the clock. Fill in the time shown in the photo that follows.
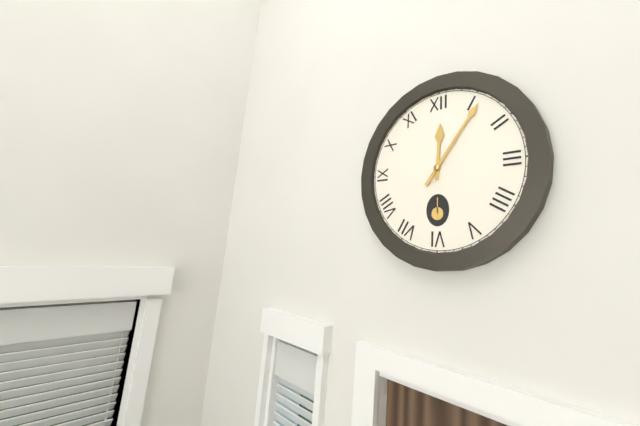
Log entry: 12:06
